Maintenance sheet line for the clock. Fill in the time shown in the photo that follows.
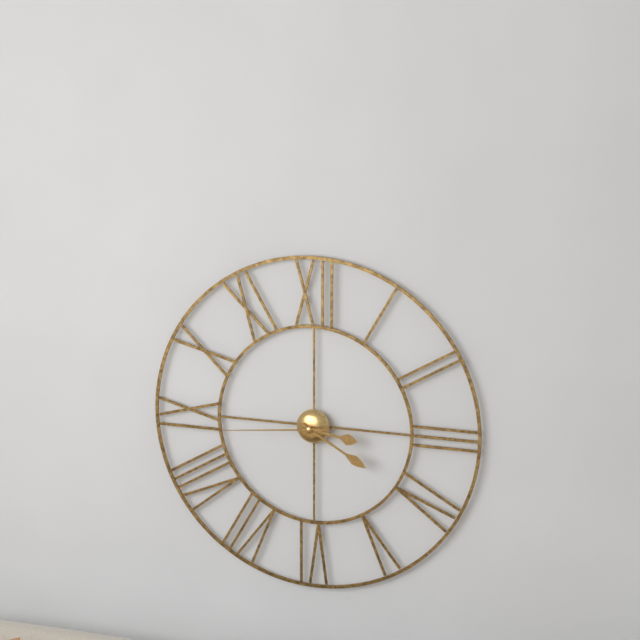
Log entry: 3:20:44
